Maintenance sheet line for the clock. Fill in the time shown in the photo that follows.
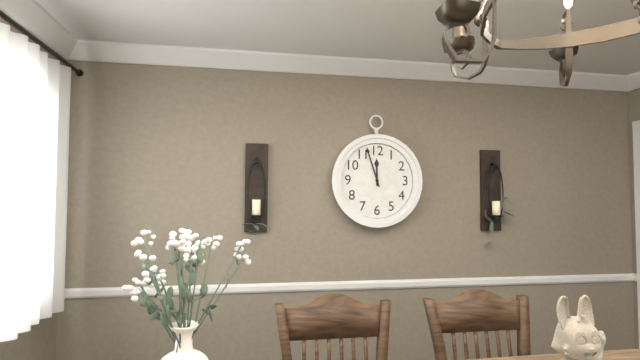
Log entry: 11:57
